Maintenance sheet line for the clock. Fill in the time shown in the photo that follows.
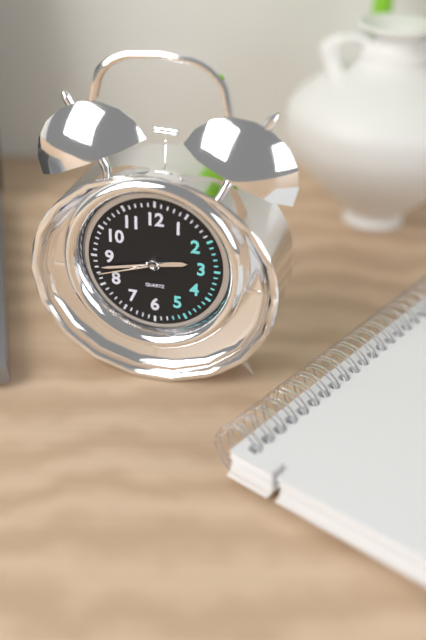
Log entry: 2:43:42
